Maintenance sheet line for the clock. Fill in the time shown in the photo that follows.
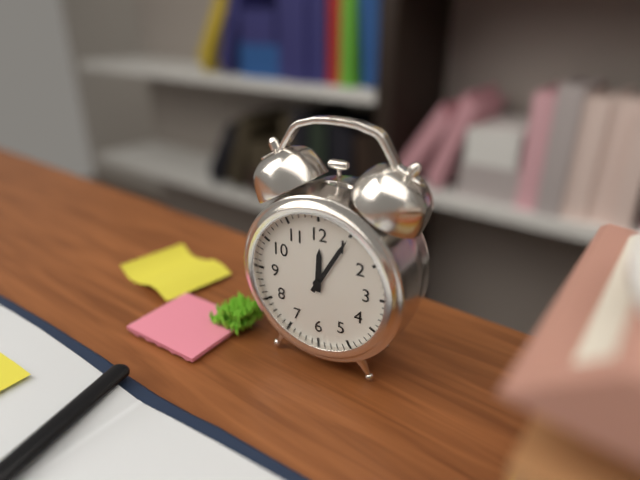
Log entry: 12:05
